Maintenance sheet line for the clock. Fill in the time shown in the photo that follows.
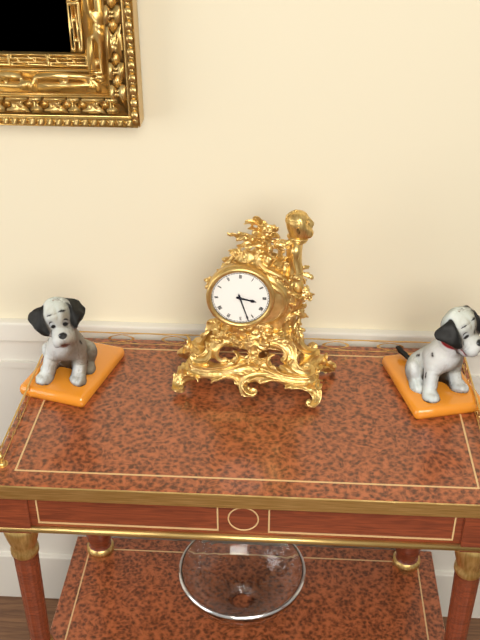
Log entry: 3:27
